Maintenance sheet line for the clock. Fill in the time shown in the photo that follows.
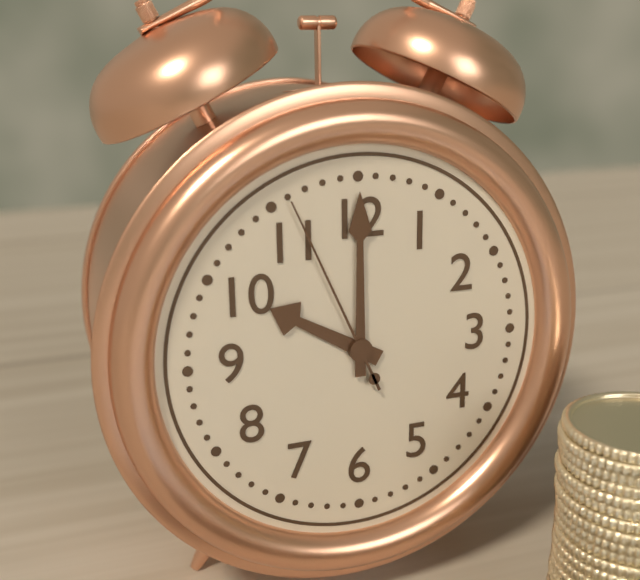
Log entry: 10:00:56
